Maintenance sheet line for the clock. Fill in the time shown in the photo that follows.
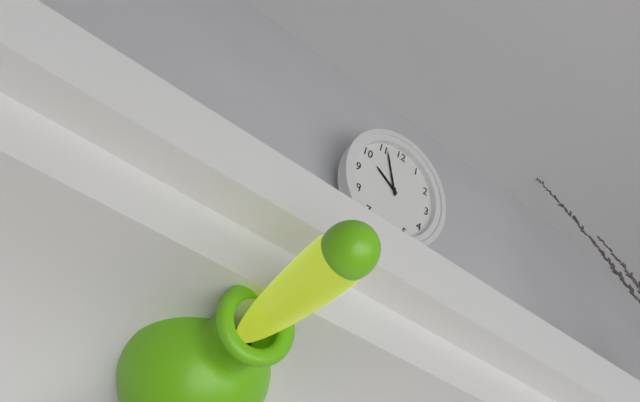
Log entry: 9:56
